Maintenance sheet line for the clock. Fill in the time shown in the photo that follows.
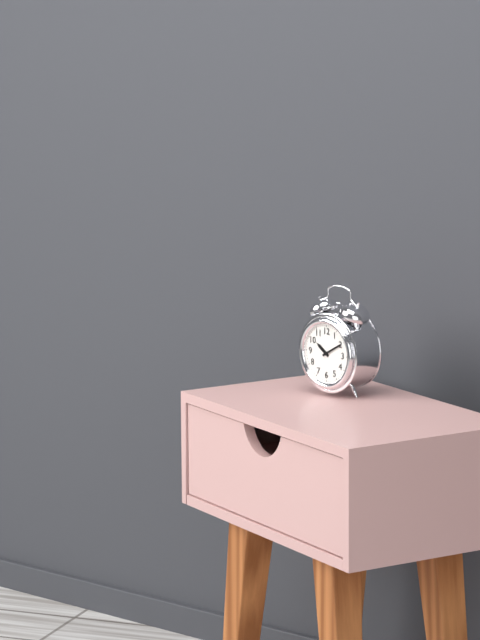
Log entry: 10:10
